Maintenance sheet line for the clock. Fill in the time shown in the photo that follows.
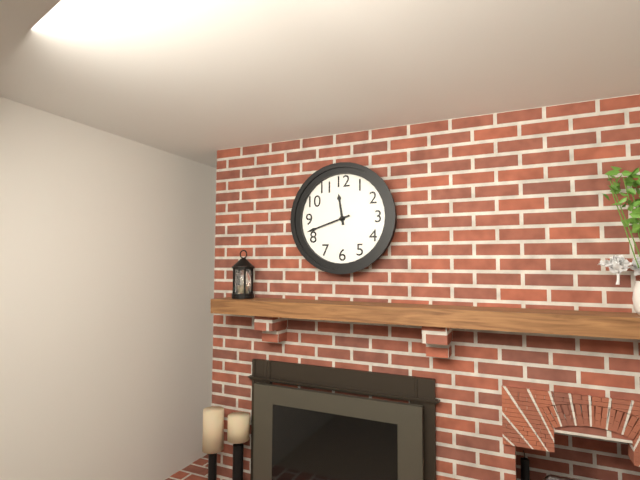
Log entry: 11:42
